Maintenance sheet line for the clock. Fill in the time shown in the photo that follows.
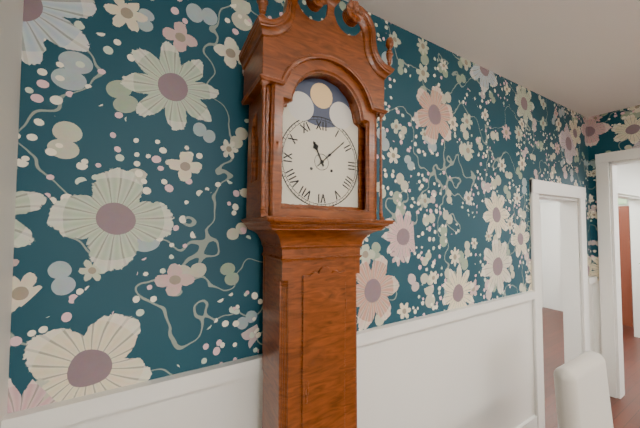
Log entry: 11:08
